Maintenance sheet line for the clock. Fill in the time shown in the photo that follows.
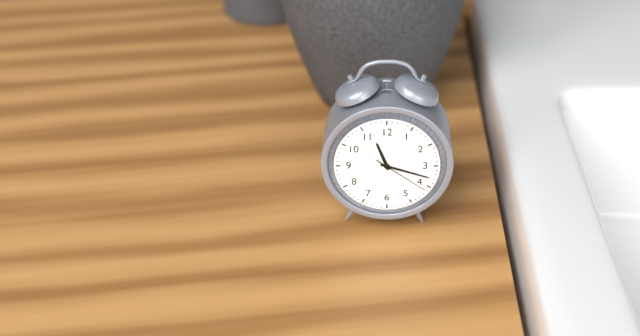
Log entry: 11:18:21
